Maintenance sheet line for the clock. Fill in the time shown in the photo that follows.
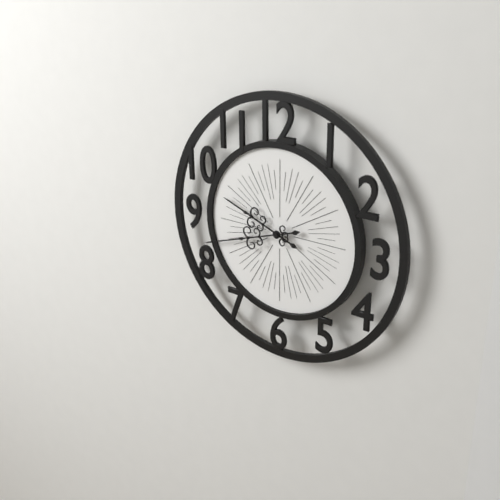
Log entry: 9:42
